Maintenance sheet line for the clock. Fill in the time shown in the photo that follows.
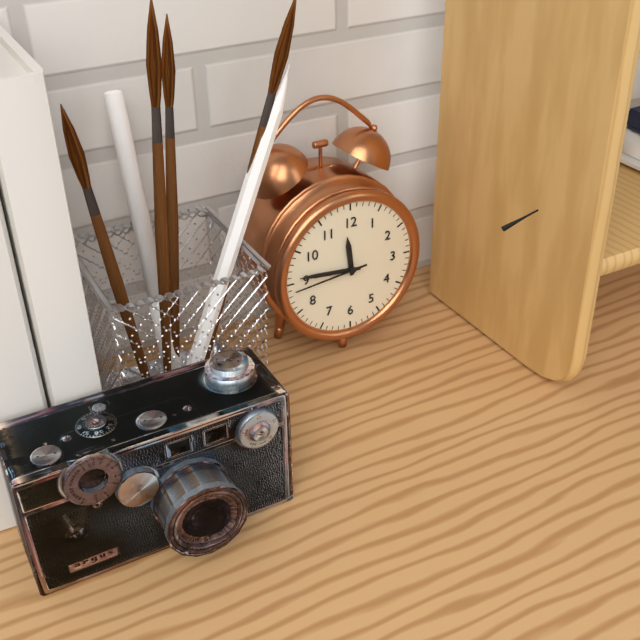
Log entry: 11:46:44
